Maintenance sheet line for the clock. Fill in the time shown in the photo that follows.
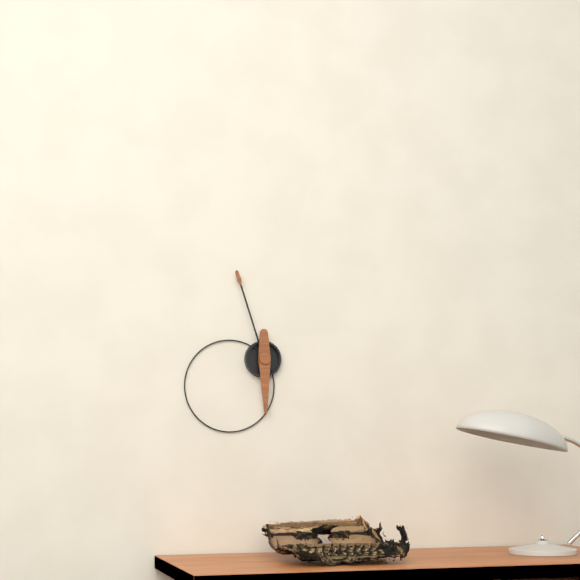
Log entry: 5:57
